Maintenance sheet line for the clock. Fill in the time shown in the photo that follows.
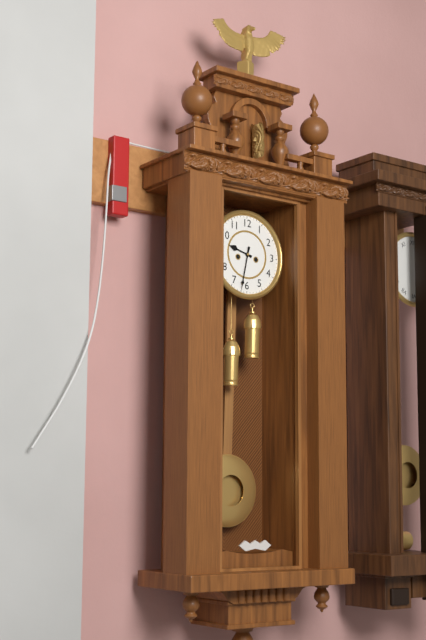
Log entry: 9:32
